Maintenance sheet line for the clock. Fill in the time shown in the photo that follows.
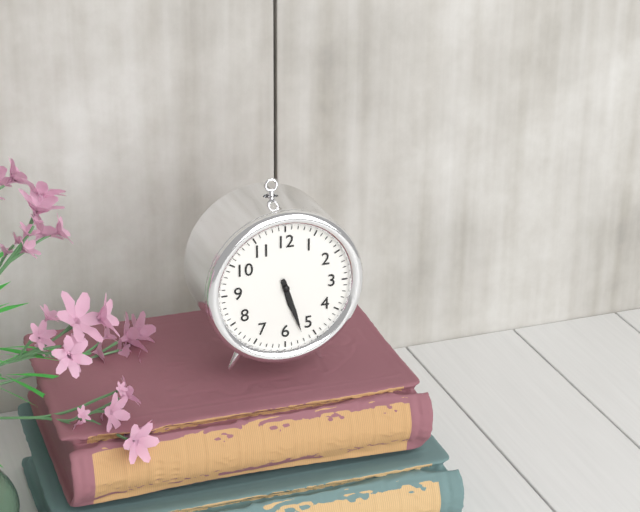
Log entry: 5:27
